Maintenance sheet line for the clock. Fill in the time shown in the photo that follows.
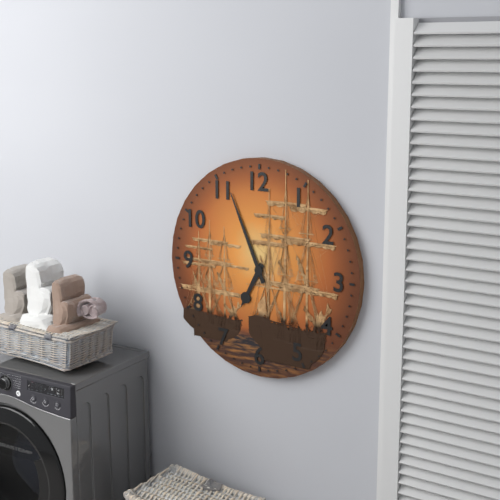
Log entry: 6:56
